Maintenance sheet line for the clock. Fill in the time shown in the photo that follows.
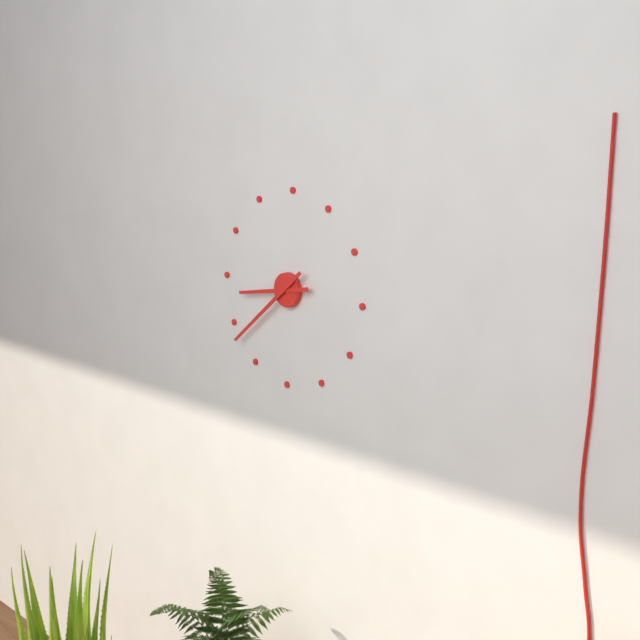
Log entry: 8:38
